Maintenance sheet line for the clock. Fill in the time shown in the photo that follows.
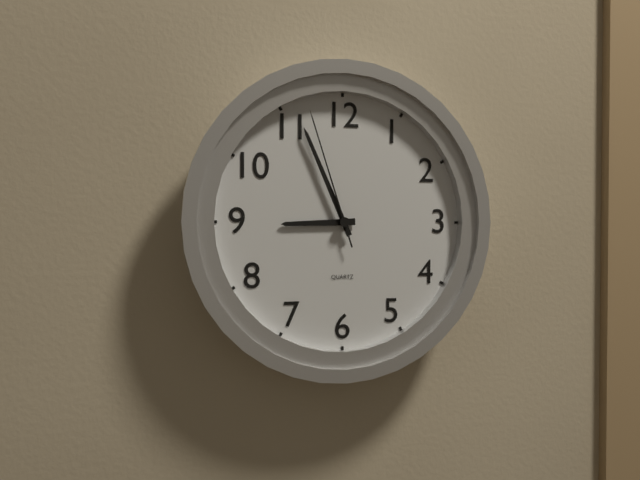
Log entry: 8:56:57
